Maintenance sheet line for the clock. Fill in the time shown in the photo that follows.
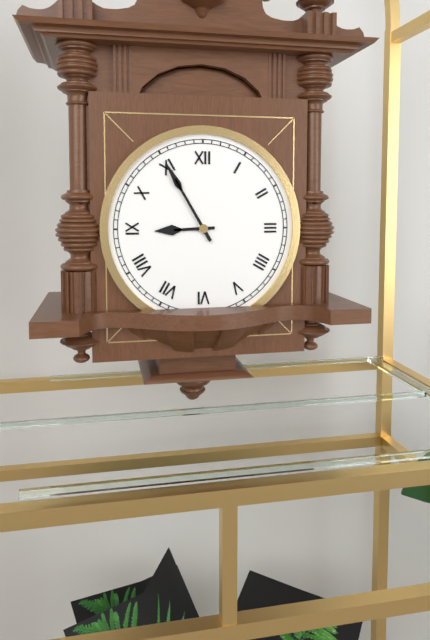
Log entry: 8:55
